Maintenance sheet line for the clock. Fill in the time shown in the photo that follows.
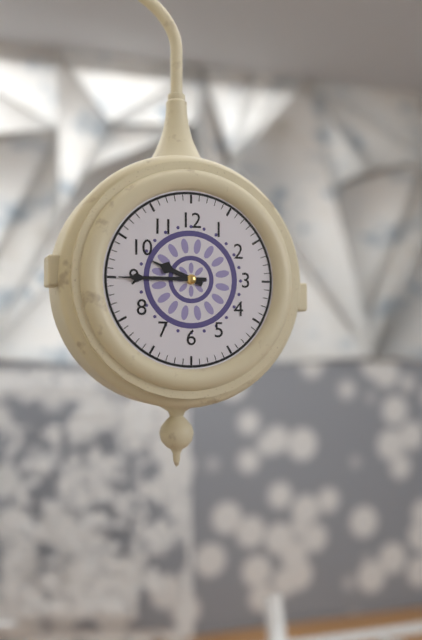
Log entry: 9:45
